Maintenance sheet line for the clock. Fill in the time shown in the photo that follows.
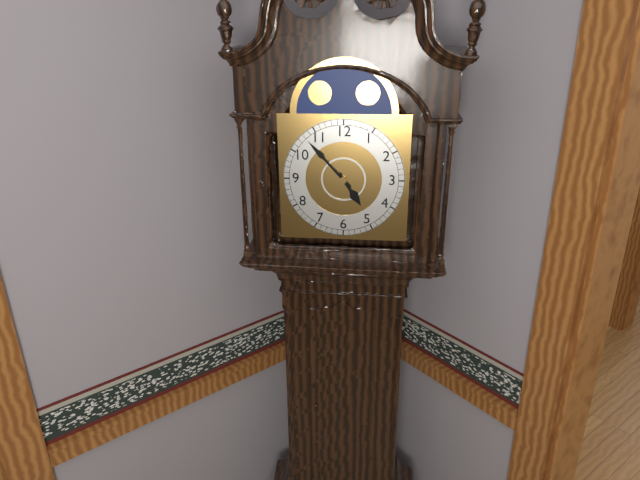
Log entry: 4:53
